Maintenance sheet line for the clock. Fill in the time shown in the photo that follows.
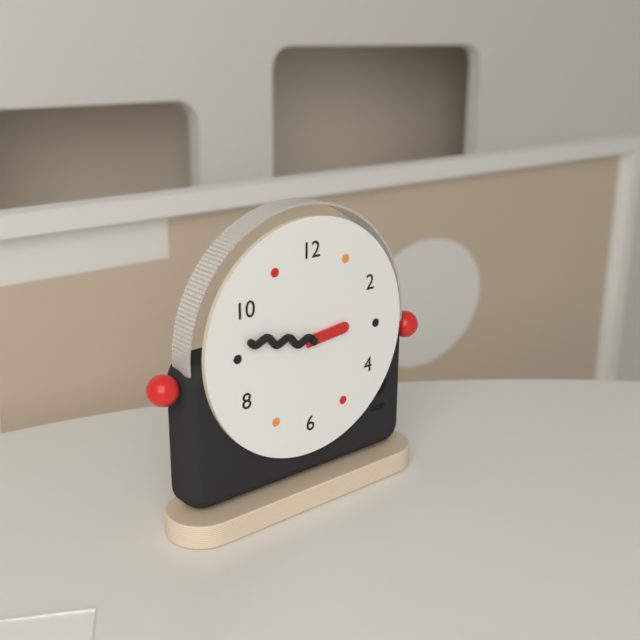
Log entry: 2:47
